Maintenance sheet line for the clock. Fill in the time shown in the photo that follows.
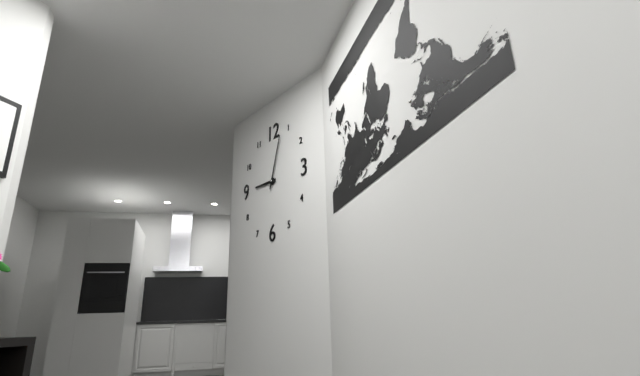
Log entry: 9:03
